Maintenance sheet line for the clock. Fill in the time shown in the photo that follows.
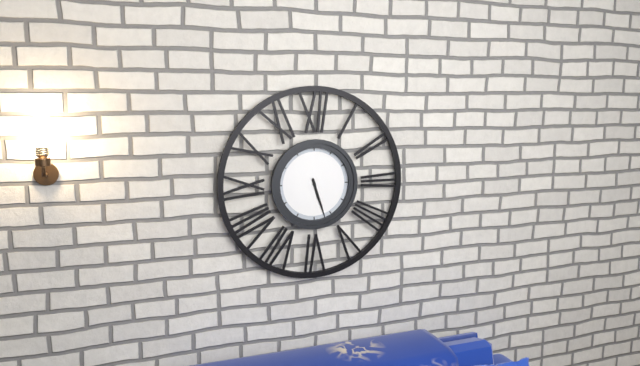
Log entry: 5:27
